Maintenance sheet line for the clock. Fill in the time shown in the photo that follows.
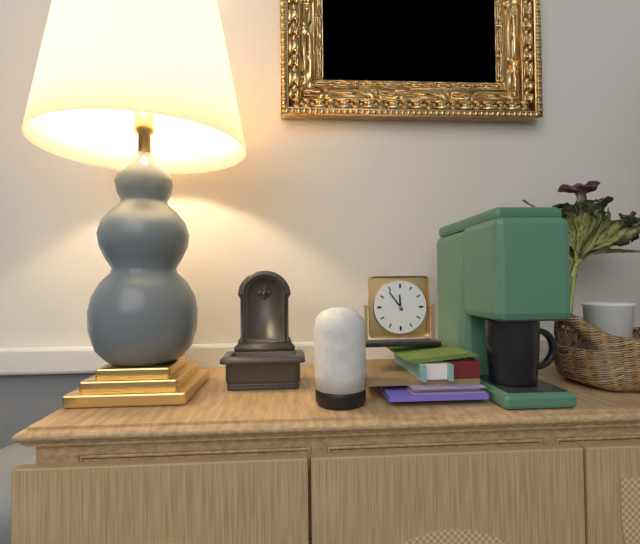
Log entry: 11:54
